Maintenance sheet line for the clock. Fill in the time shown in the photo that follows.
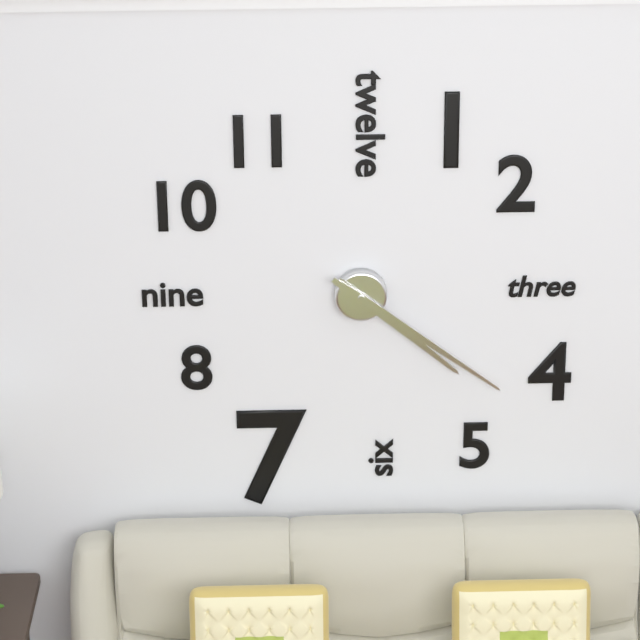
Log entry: 4:21
